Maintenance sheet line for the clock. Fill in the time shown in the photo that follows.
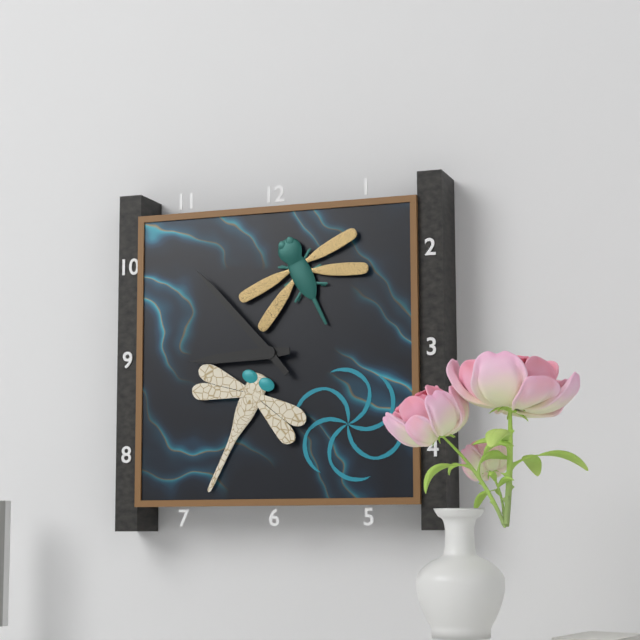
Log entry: 8:53
